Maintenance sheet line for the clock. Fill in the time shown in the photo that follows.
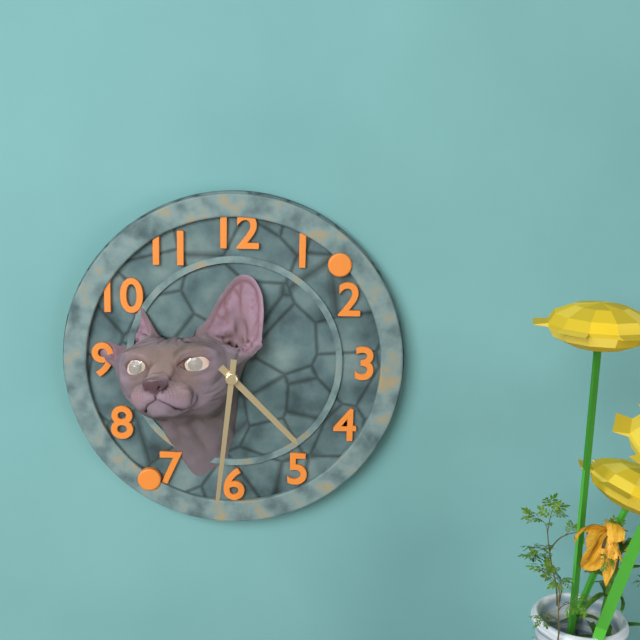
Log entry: 4:31
